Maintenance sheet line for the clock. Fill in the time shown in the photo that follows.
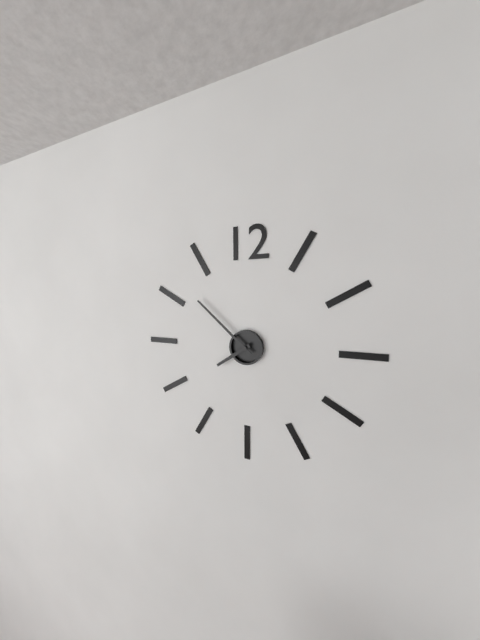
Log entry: 7:52
